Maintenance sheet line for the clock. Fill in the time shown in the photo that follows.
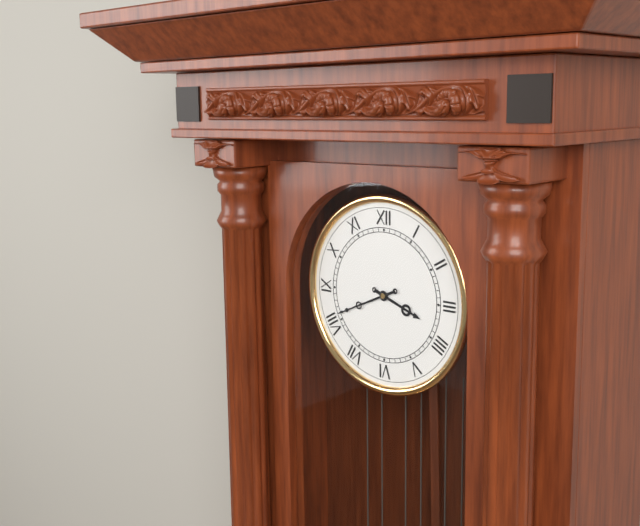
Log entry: 3:41
